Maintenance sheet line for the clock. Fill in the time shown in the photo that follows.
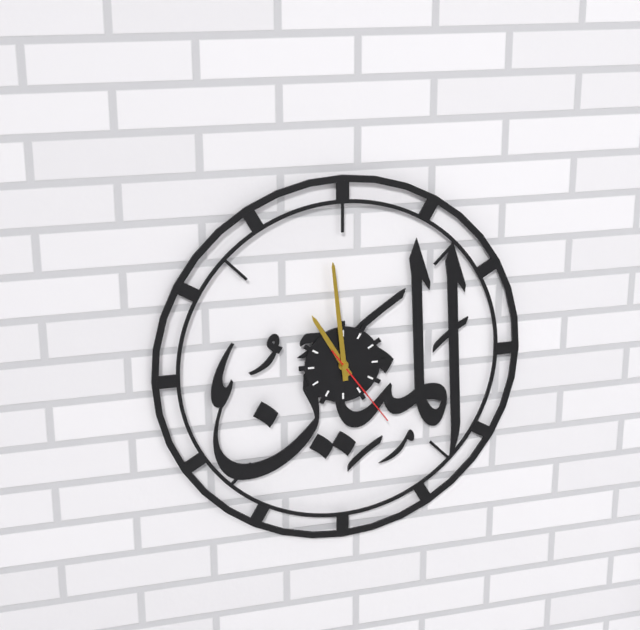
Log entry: 10:59:24
